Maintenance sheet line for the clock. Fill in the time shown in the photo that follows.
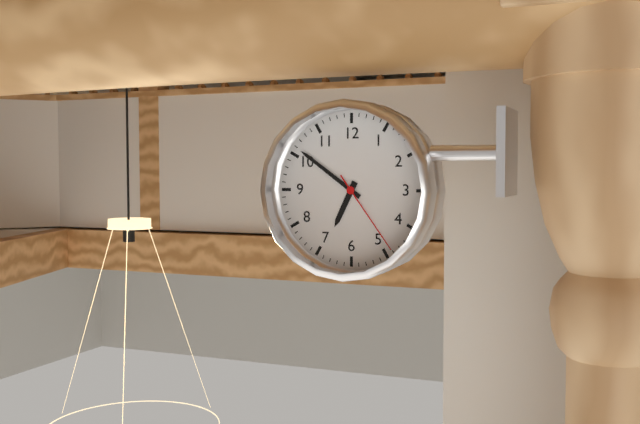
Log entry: 6:51:24
